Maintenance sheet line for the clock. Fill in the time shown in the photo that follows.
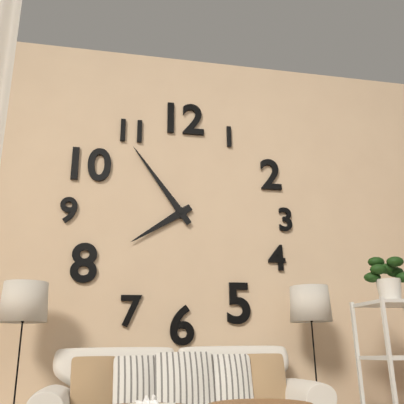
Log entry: 7:54
